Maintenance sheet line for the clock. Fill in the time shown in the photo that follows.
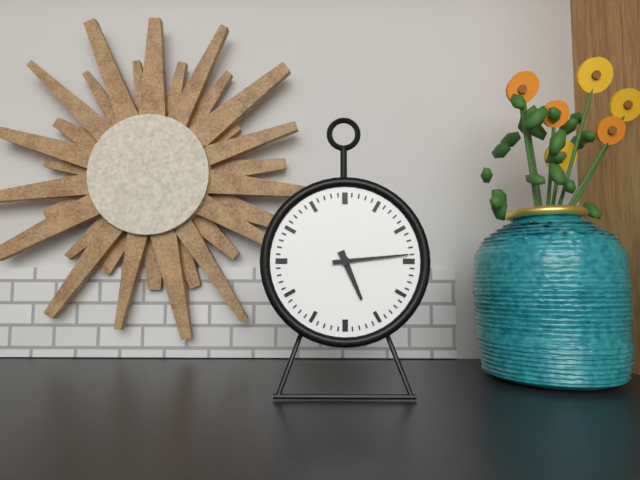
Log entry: 5:14
